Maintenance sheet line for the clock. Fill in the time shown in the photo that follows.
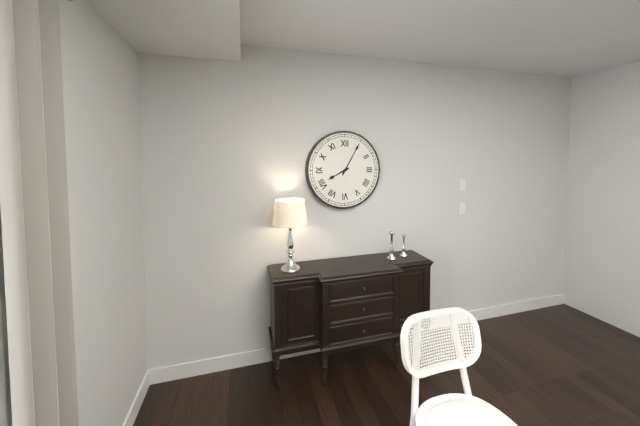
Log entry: 8:05
